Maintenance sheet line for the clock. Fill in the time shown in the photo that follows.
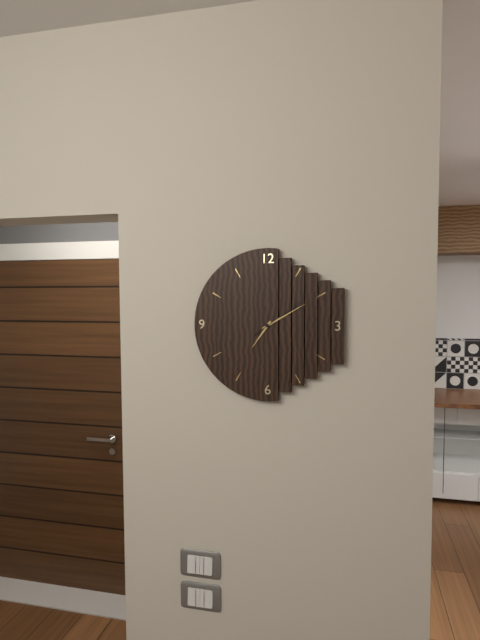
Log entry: 7:10:09
